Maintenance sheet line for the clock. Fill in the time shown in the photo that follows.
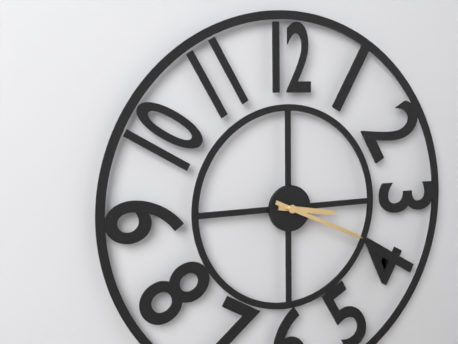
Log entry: 3:19
